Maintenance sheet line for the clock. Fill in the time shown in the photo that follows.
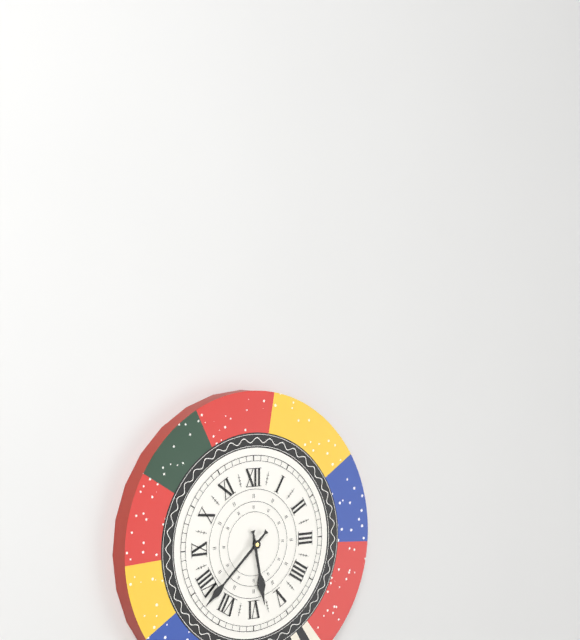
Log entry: 5:38
